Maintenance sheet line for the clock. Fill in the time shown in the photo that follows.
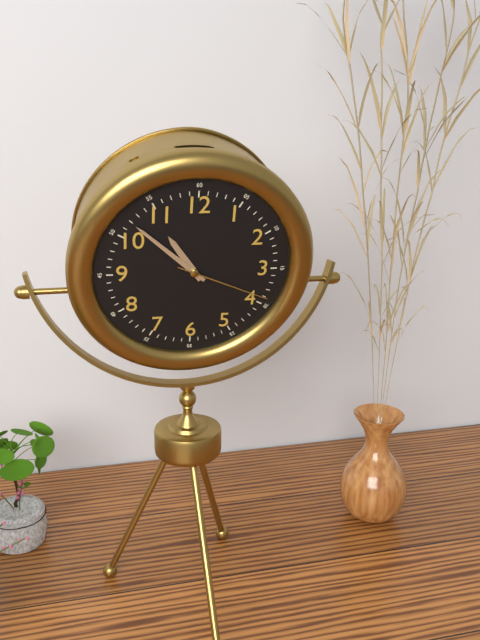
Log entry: 10:52:19
